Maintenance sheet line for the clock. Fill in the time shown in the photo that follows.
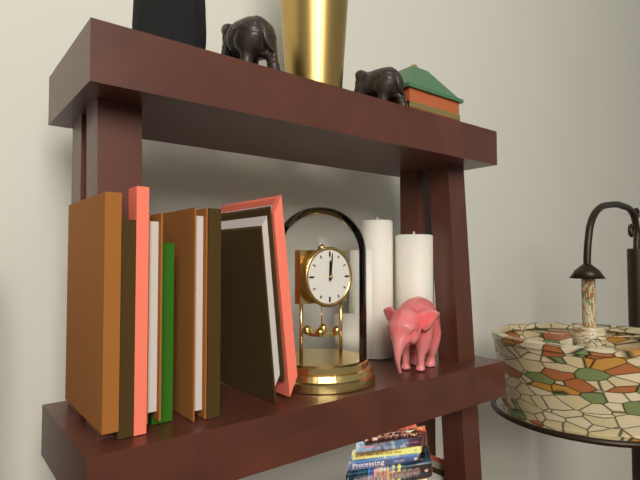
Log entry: 12:01
